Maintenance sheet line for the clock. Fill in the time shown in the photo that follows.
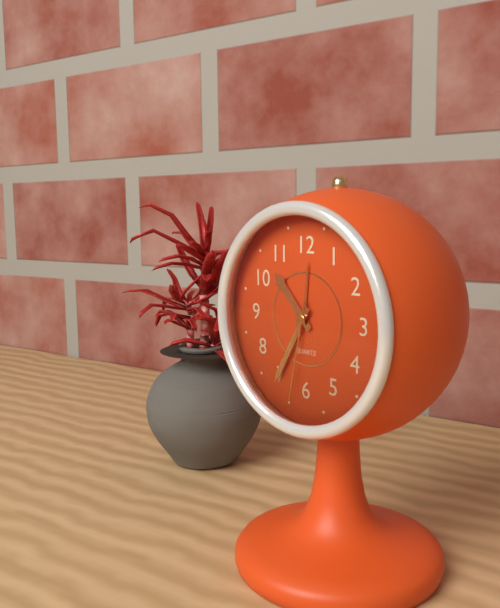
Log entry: 10:35:32
